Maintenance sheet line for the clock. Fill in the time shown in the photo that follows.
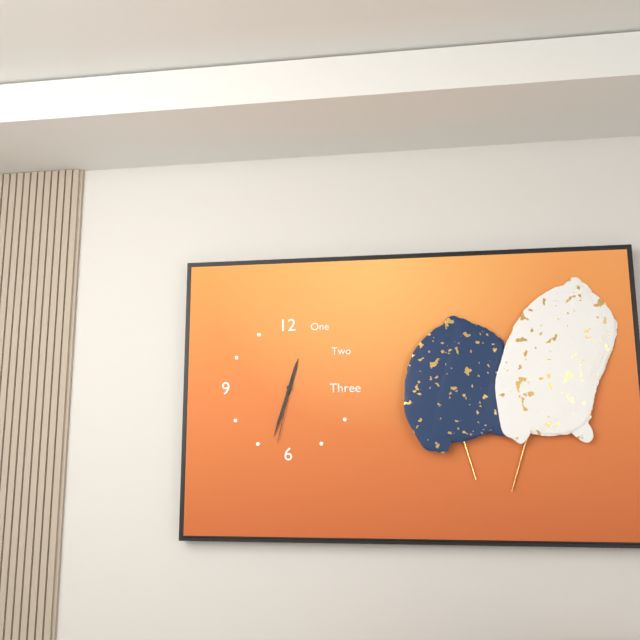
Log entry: 12:33:32
